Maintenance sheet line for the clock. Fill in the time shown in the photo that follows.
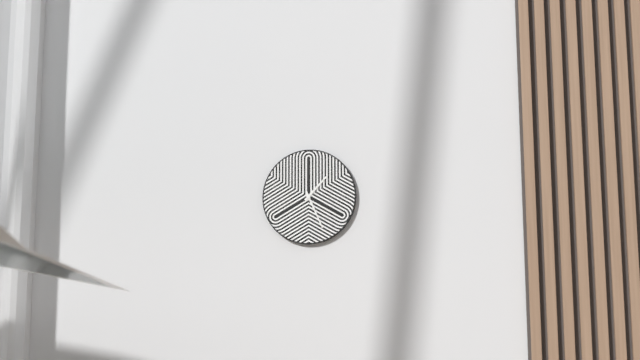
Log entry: 1:26
